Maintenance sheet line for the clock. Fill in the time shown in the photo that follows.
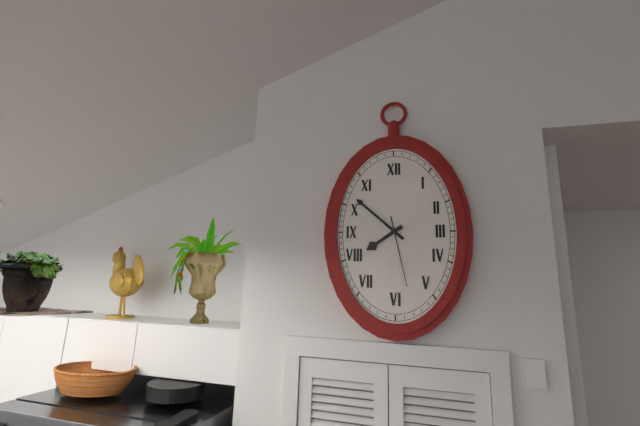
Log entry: 7:52:28
